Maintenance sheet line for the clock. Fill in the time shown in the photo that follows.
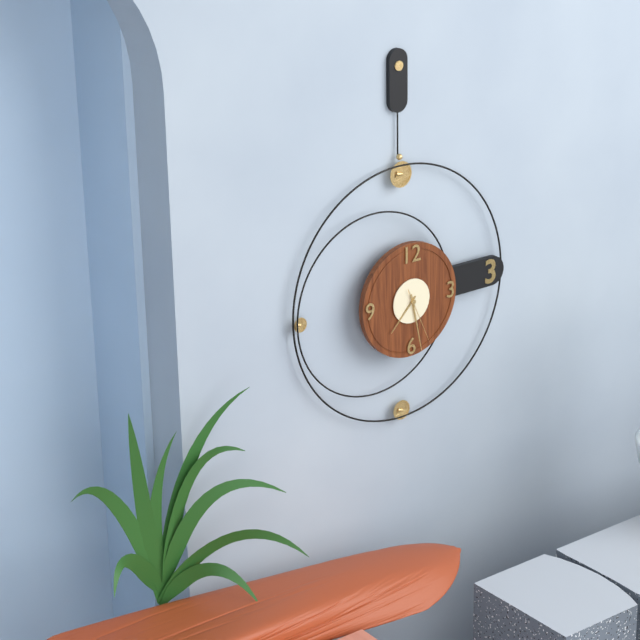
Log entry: 7:28:26
